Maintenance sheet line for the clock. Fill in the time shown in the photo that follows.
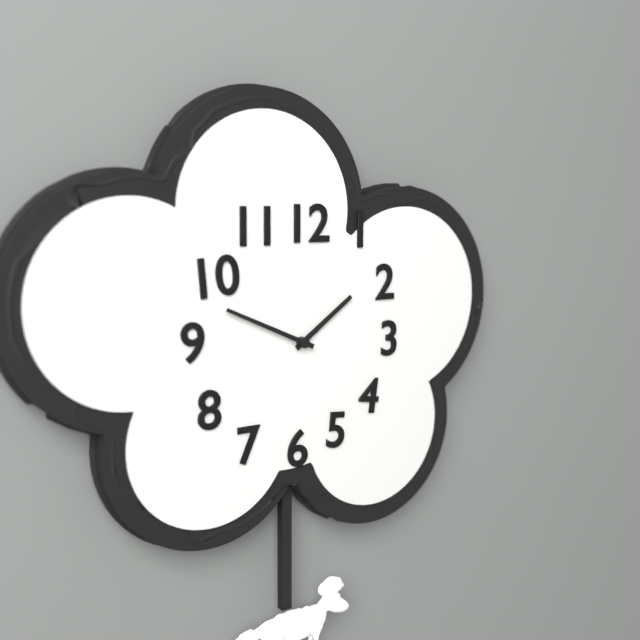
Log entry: 1:49
